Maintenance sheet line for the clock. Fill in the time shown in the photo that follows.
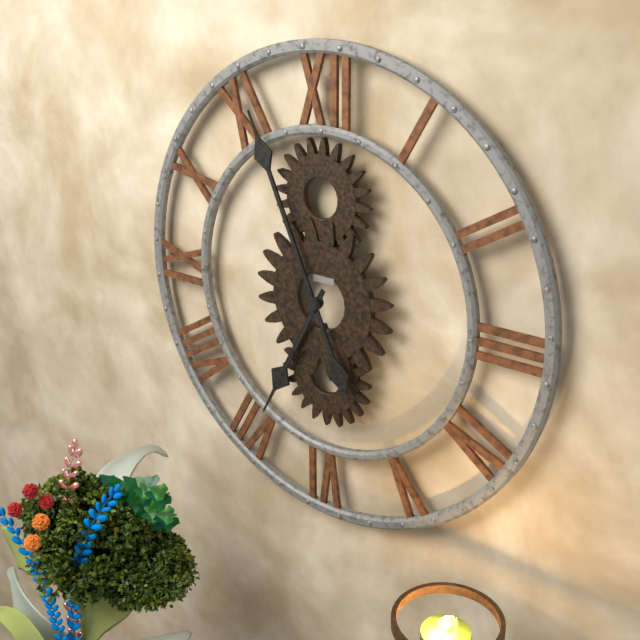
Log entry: 6:56
